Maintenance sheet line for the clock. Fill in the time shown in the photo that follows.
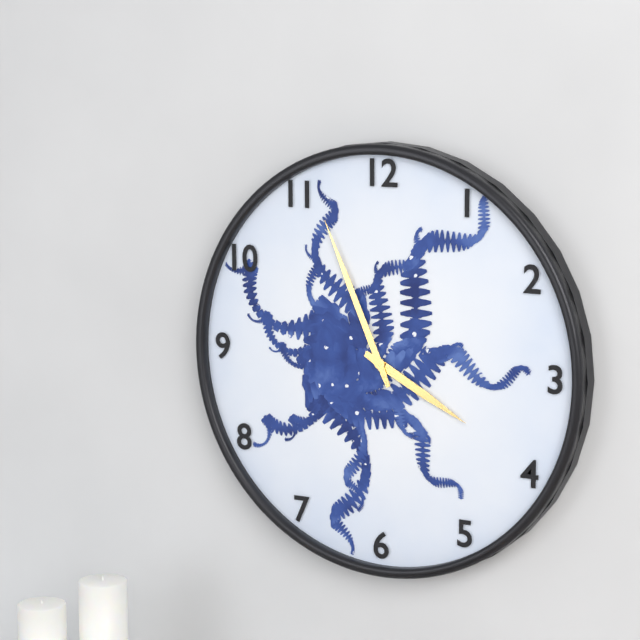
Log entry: 3:56
